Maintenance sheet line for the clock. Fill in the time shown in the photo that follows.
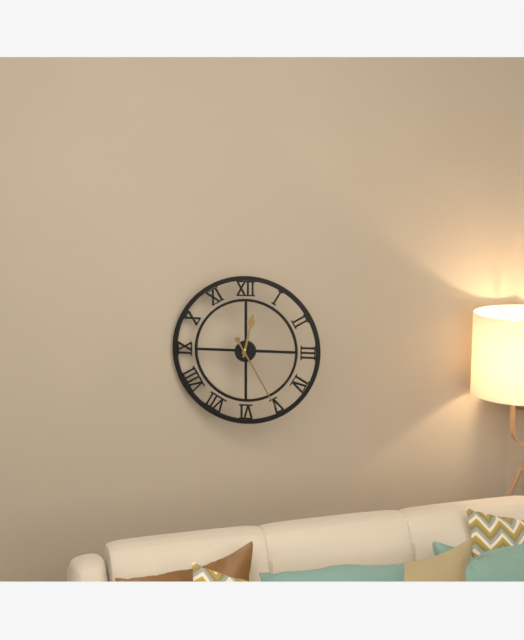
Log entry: 12:25
